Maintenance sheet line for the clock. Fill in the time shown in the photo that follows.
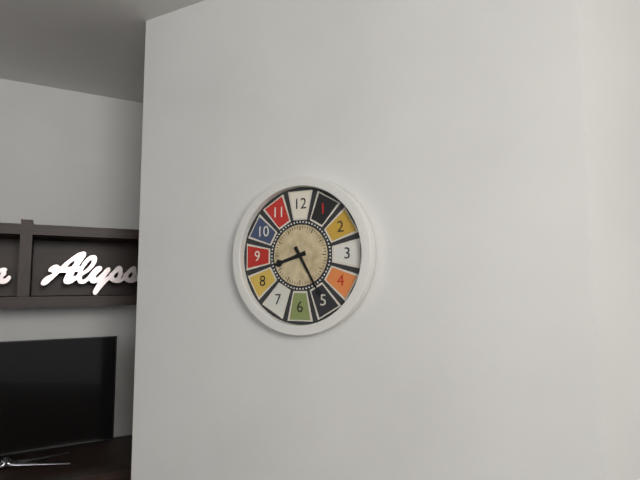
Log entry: 8:25
